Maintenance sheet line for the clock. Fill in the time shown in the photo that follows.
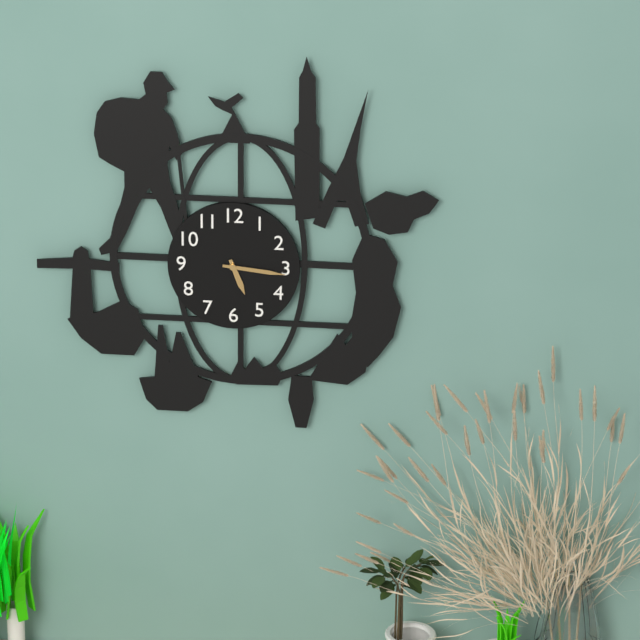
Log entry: 5:16
